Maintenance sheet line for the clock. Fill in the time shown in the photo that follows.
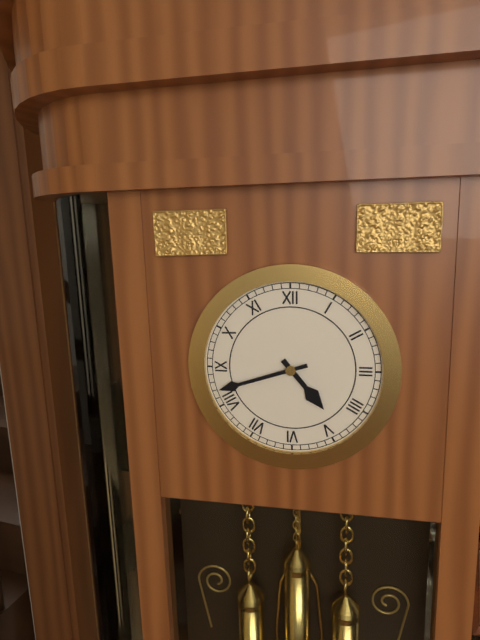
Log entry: 4:42
